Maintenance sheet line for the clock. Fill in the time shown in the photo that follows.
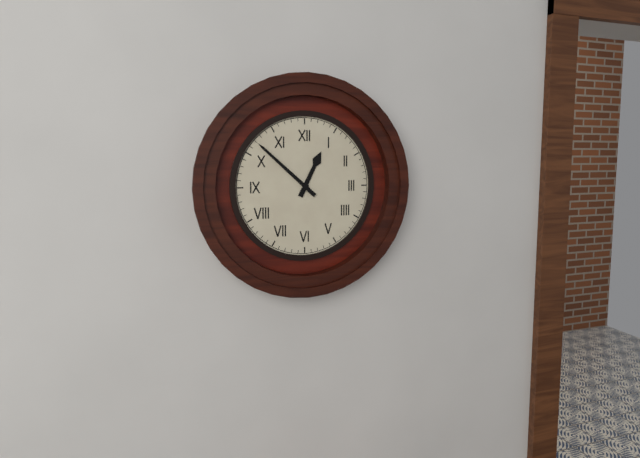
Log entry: 12:52
